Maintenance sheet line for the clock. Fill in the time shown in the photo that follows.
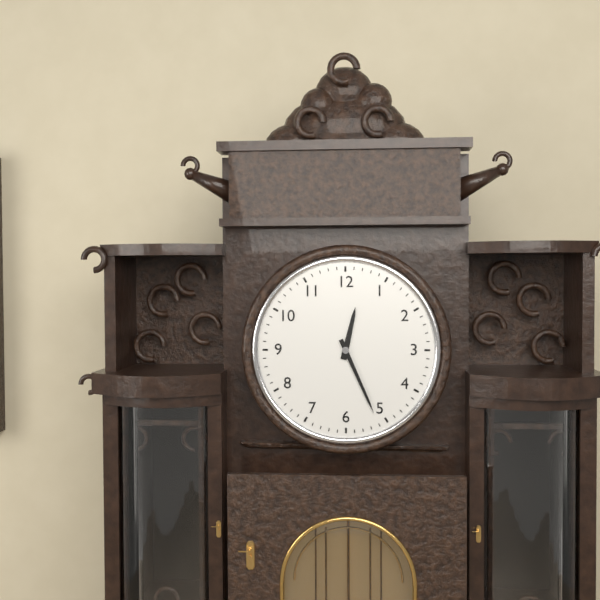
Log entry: 12:26
